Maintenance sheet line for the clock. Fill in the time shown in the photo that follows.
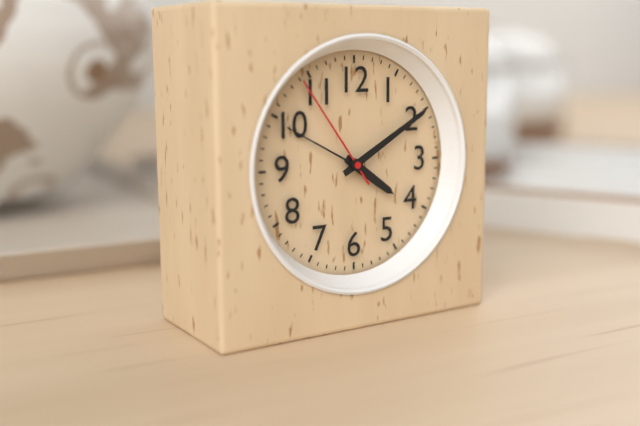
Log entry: 4:10:54
